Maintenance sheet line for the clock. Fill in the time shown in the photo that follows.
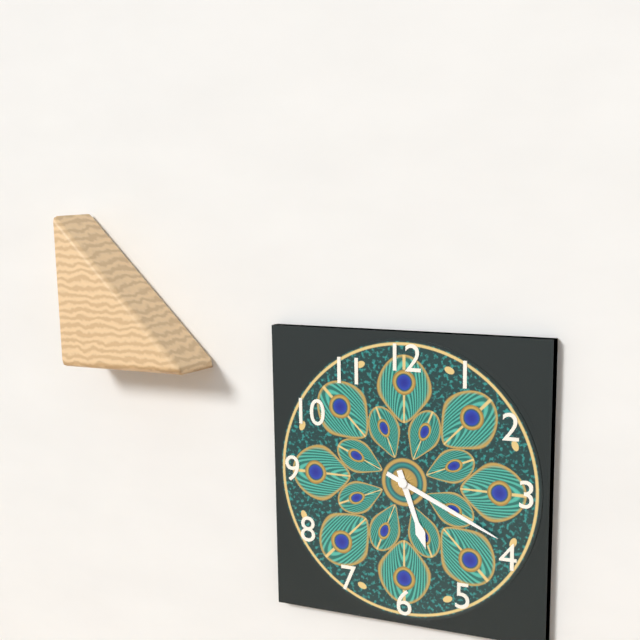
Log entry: 5:19
